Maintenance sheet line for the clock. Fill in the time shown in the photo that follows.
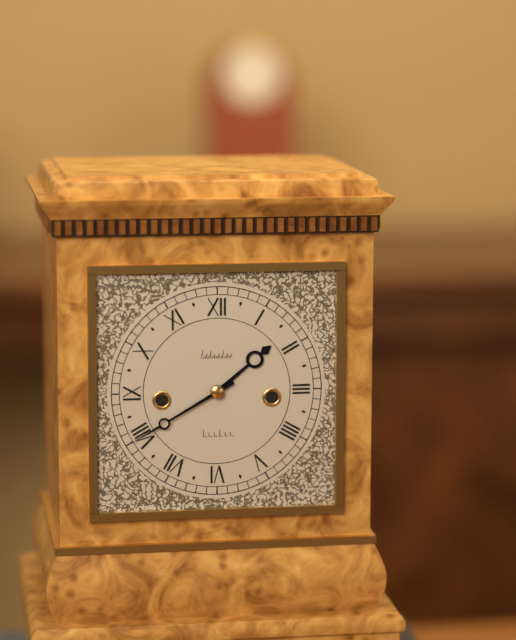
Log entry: 1:40
